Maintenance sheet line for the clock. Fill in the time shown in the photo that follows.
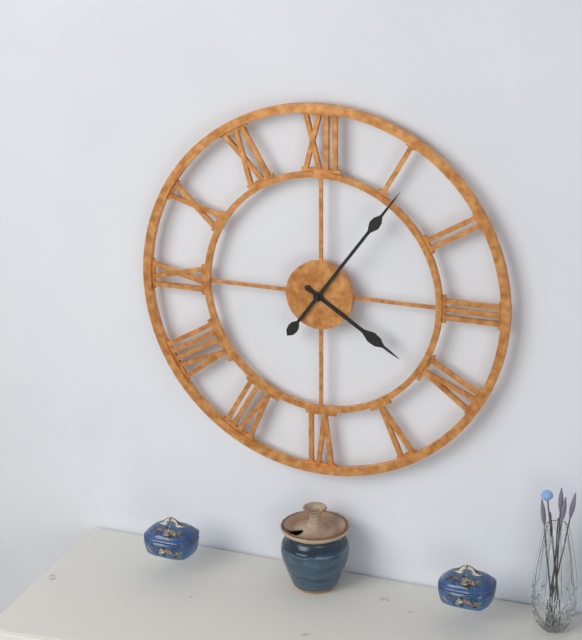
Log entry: 4:06
